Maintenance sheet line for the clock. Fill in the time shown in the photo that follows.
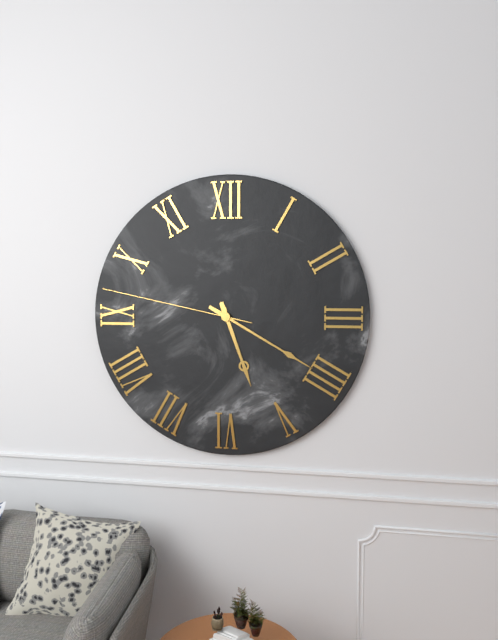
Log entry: 5:20:47
